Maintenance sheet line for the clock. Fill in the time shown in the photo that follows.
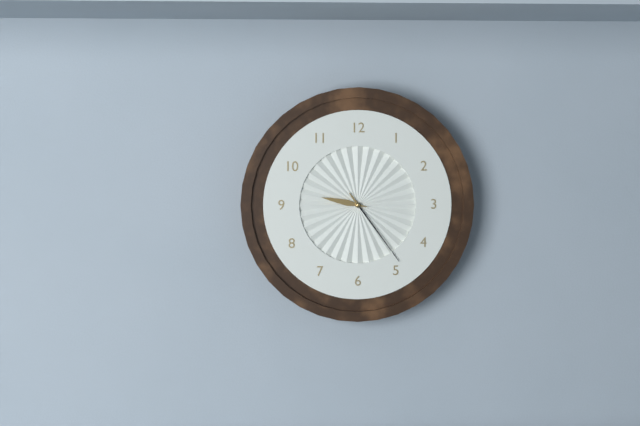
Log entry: 9:24
